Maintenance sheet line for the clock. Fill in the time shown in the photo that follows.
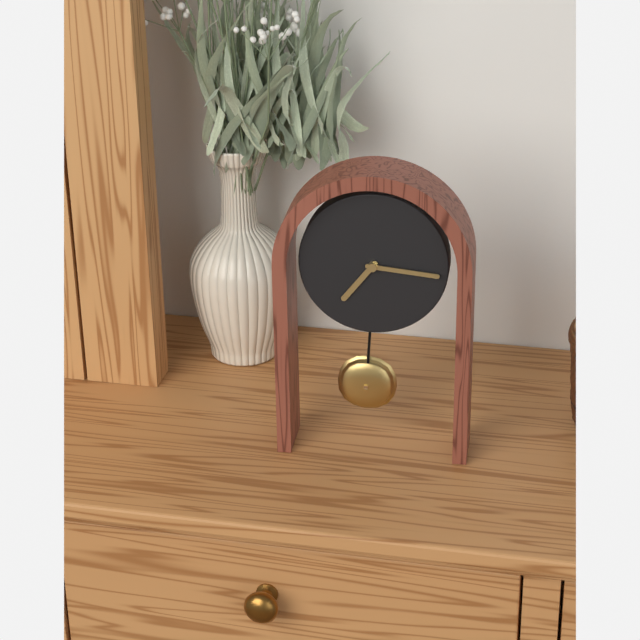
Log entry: 7:16
